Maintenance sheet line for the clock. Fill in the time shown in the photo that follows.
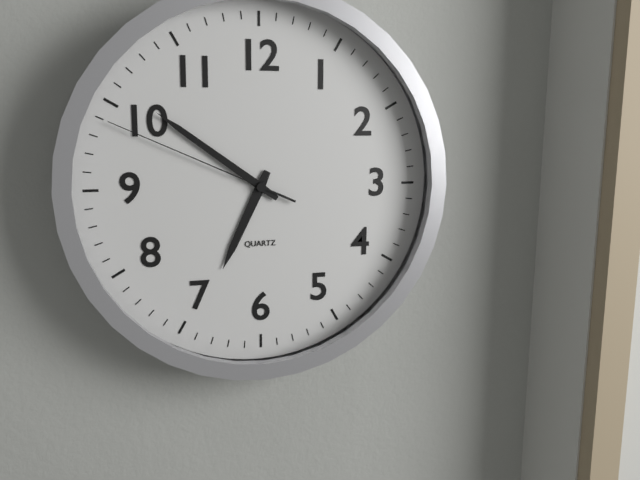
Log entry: 6:51:49
